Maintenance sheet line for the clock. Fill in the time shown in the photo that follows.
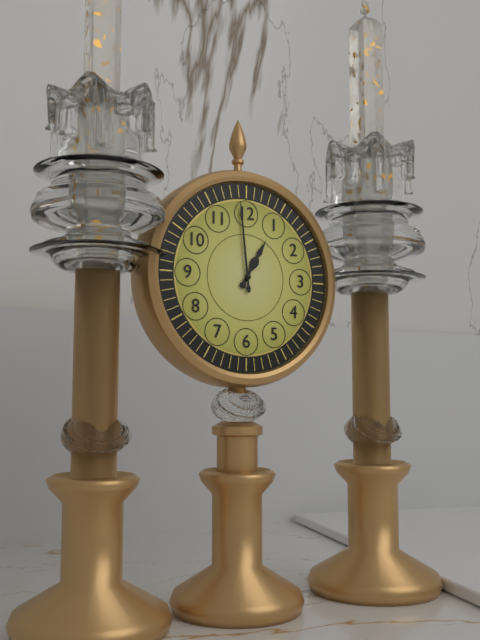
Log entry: 12:59
